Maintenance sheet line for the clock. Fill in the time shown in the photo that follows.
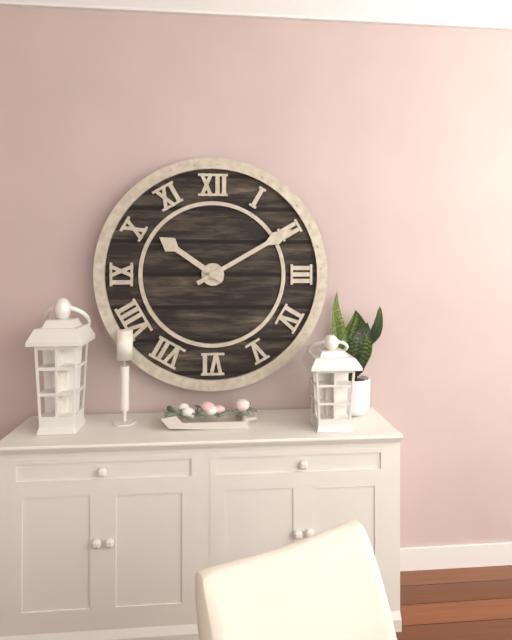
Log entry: 10:10
